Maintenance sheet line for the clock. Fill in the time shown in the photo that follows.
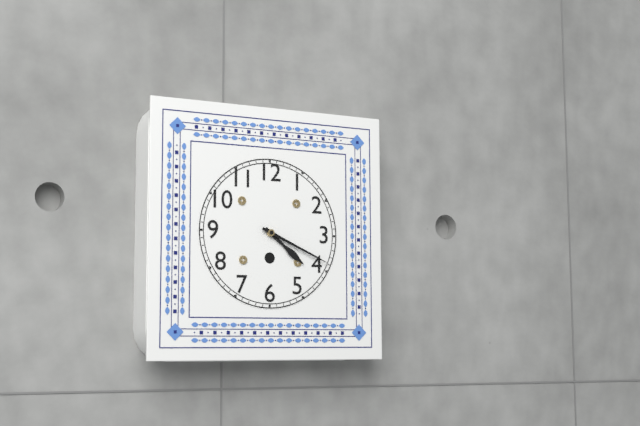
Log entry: 4:19
